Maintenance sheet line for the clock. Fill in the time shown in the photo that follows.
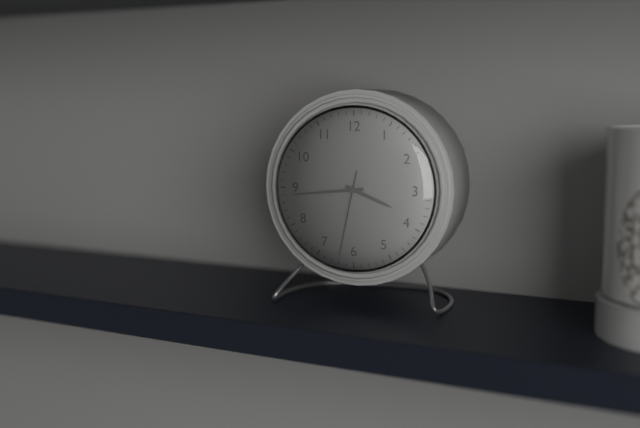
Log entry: 3:44:32
